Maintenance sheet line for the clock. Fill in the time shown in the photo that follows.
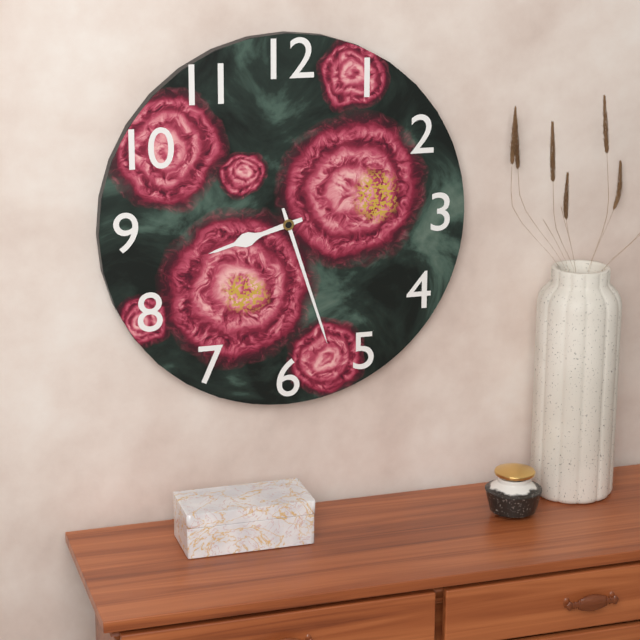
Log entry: 8:27
